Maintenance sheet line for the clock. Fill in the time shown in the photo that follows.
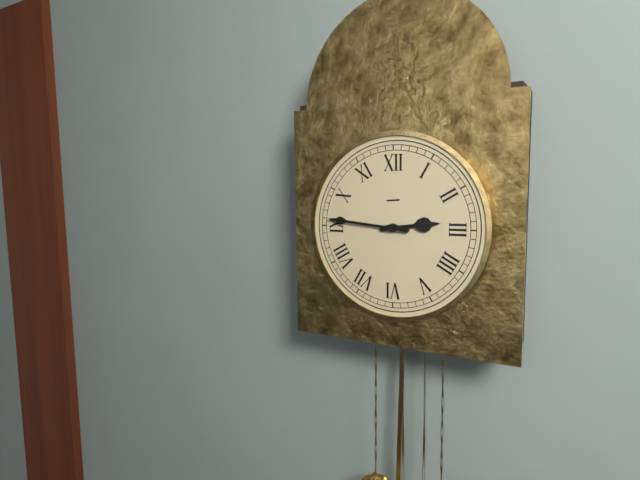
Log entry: 2:46
